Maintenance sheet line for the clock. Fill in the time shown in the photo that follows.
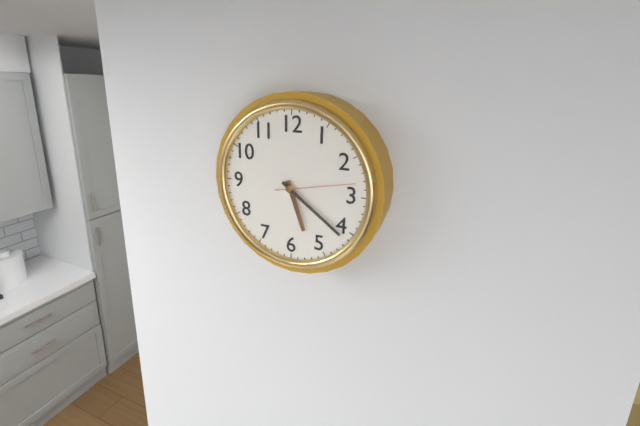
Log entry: 5:21:13
